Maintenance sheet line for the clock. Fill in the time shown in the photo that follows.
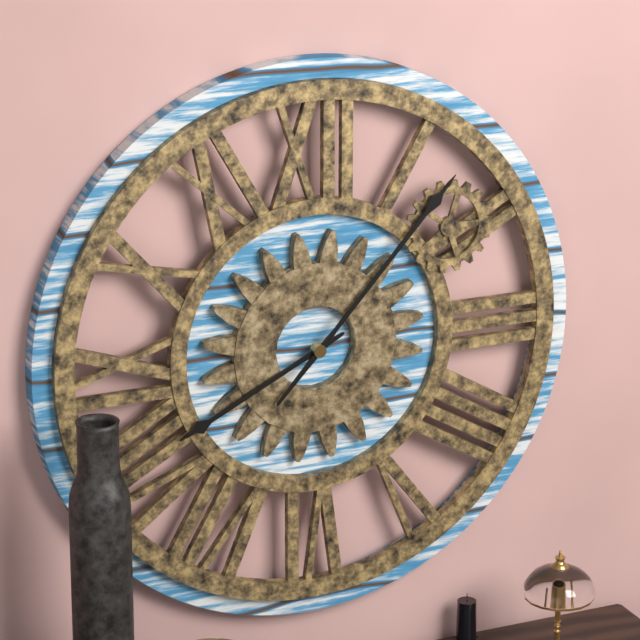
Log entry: 8:07
